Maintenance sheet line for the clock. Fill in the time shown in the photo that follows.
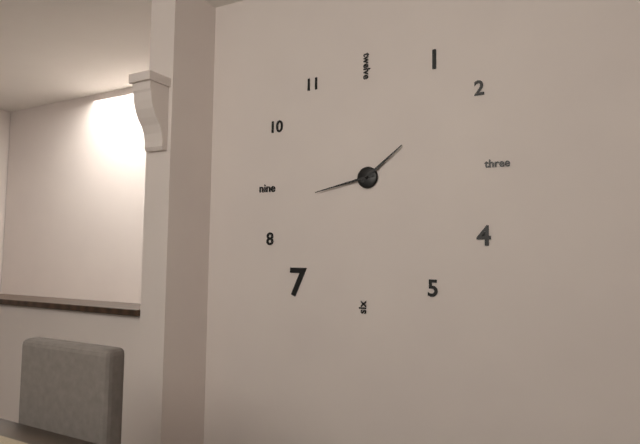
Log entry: 1:43
